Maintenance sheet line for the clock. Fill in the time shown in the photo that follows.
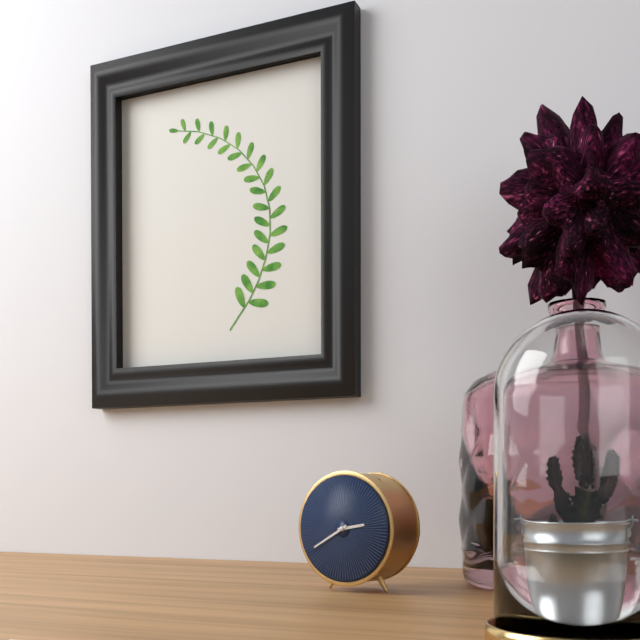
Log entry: 2:40
